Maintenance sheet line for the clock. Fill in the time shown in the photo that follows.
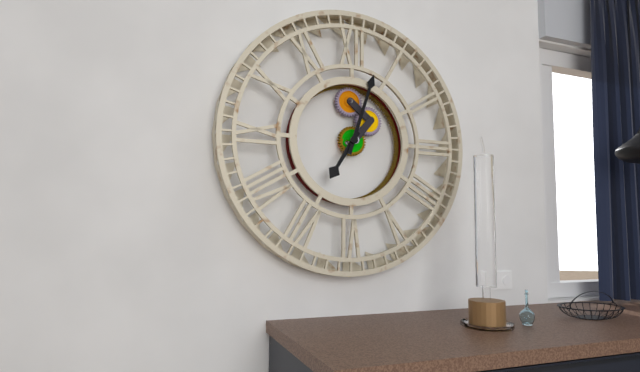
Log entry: 7:03
